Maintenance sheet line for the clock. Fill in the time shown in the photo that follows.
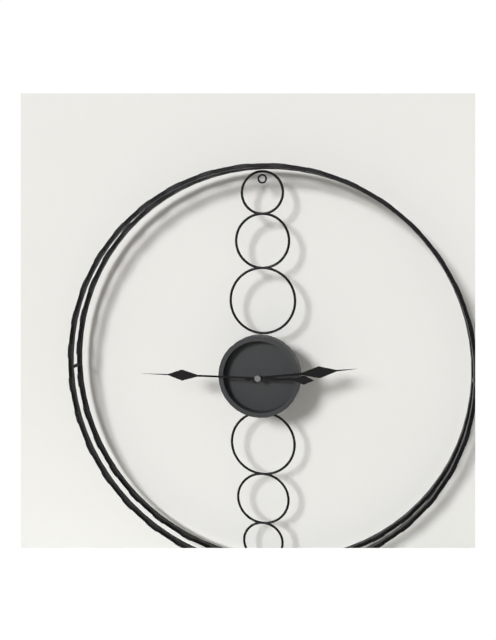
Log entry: 2:45
